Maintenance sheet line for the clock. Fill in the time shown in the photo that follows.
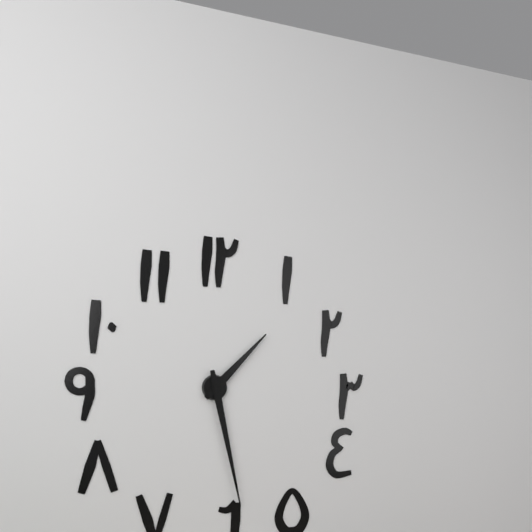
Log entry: 1:28
